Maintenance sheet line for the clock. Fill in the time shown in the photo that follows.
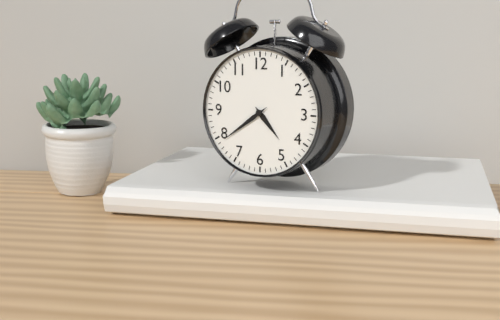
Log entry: 4:39
